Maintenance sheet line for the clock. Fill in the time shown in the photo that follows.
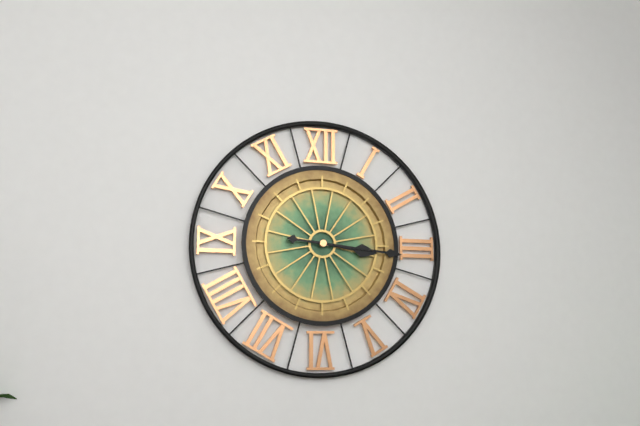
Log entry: 3:16
